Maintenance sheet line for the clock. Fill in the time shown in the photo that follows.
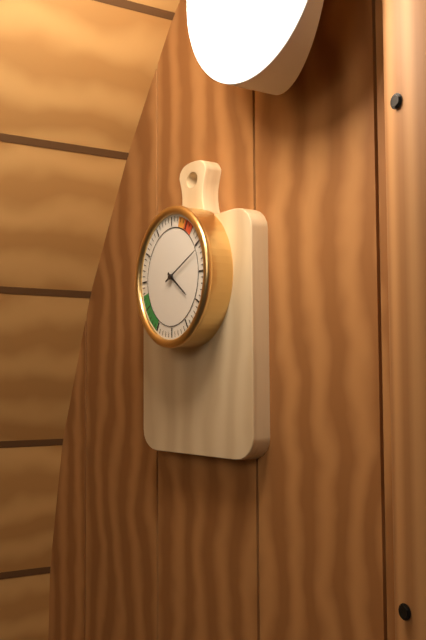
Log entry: 4:11
